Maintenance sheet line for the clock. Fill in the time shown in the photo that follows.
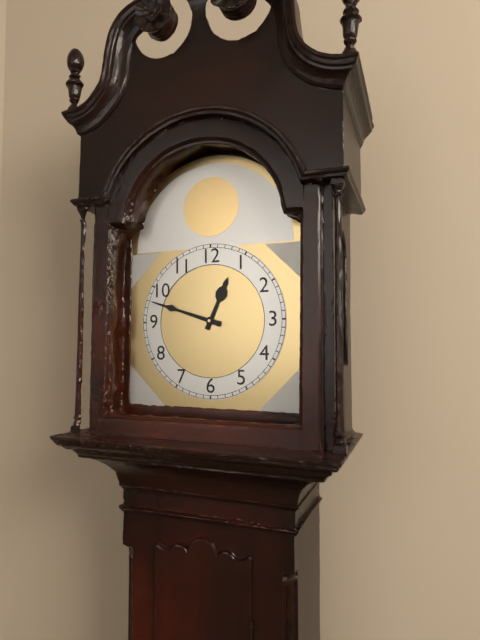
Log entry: 12:48
